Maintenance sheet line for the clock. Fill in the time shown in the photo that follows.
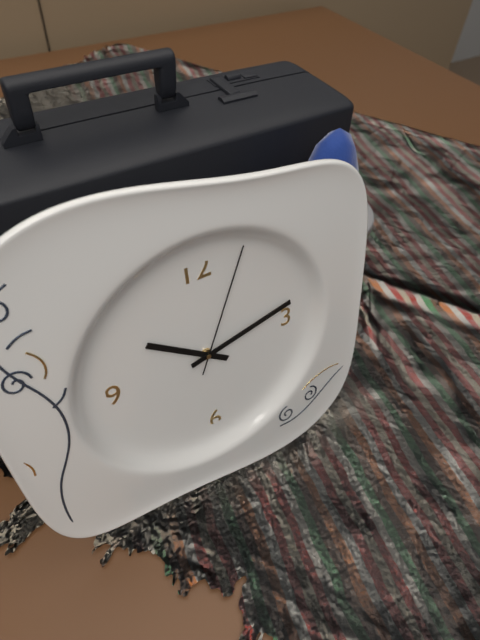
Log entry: 10:13:04
